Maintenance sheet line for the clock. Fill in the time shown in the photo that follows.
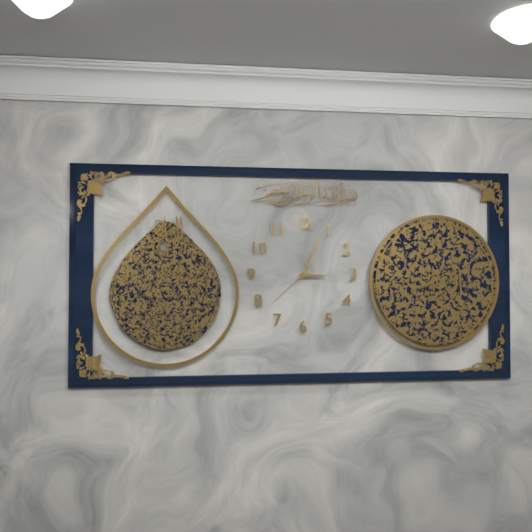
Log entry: 3:04:38
